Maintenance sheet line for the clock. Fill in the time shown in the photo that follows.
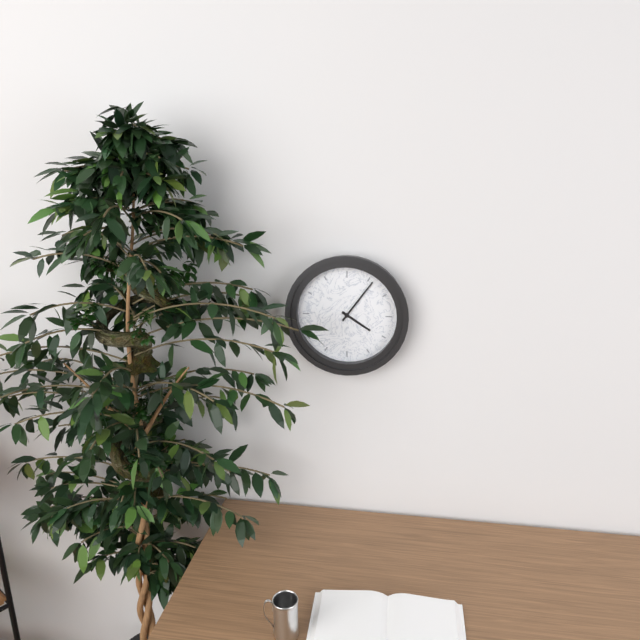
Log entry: 4:06
